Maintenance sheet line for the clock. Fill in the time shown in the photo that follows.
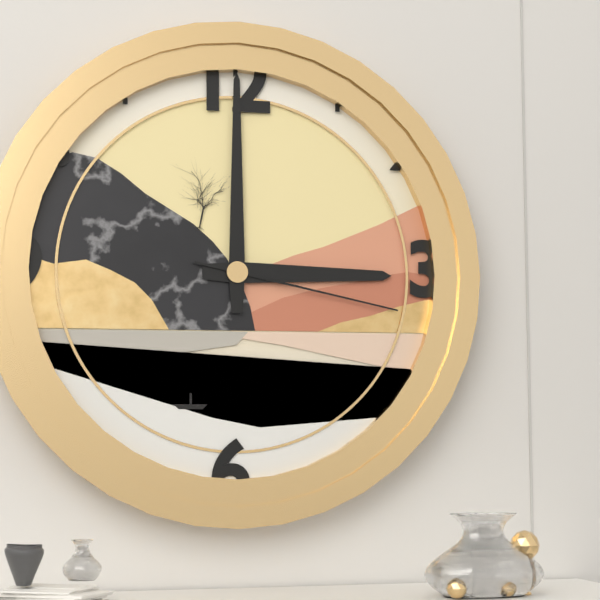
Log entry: 3:00:17
